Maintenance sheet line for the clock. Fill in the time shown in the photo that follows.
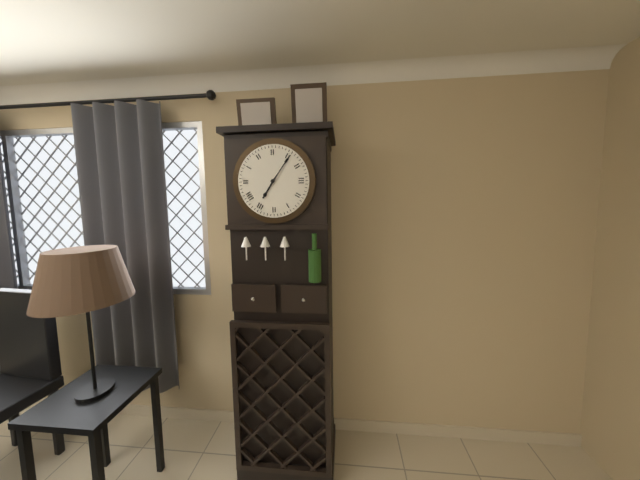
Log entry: 7:06
